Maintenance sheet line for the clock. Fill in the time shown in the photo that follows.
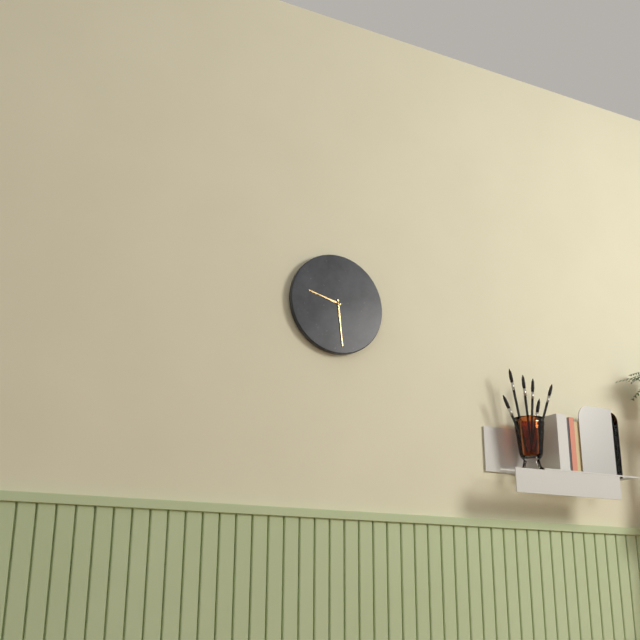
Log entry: 9:29
